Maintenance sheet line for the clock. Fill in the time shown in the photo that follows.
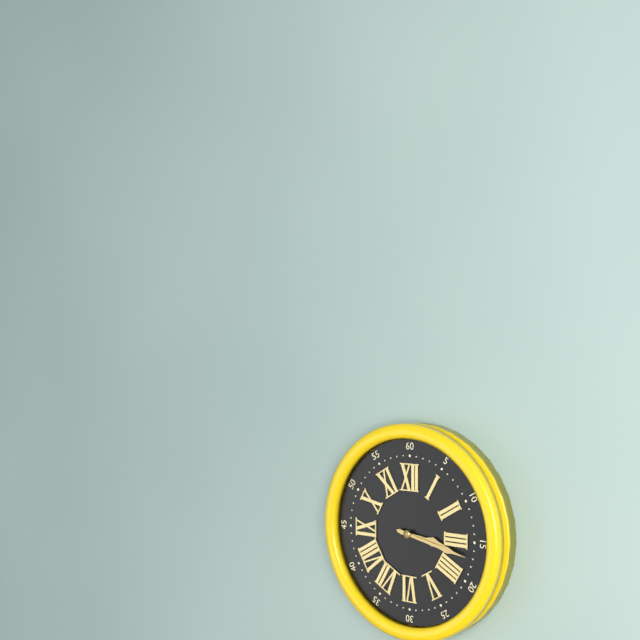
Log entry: 3:17
